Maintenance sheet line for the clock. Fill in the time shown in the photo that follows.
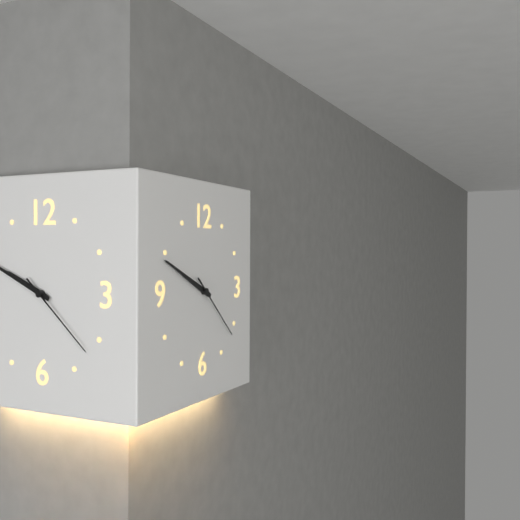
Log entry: 9:49:22
